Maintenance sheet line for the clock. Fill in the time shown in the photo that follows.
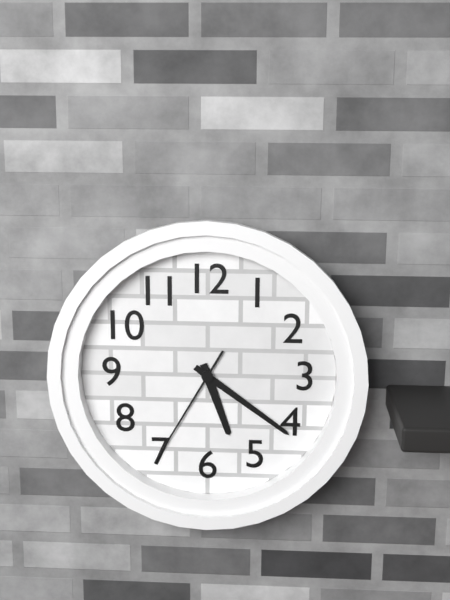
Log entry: 5:21:35
